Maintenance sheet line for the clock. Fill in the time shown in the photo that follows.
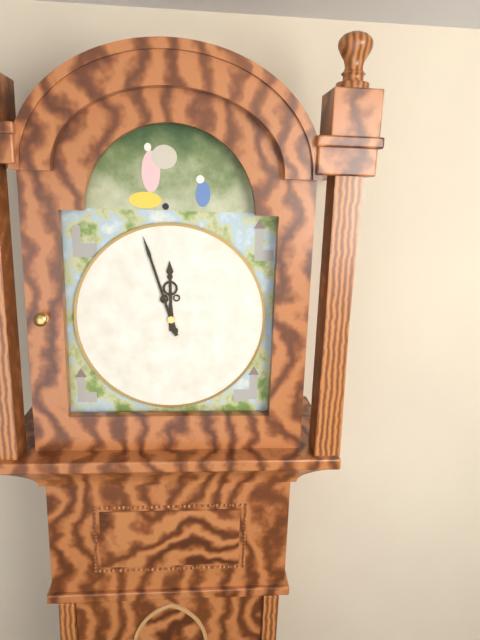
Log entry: 11:57
